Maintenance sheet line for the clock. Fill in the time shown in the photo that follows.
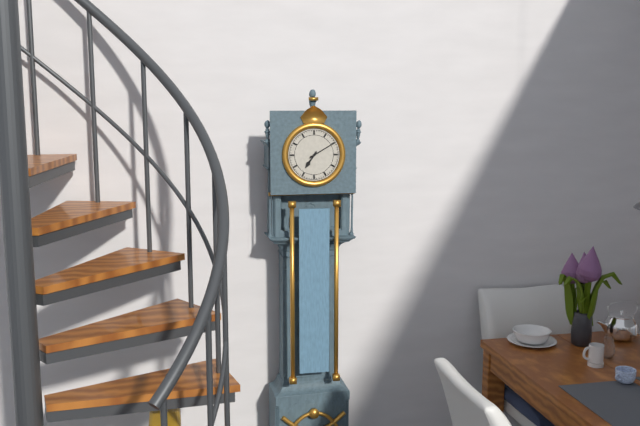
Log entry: 7:10
